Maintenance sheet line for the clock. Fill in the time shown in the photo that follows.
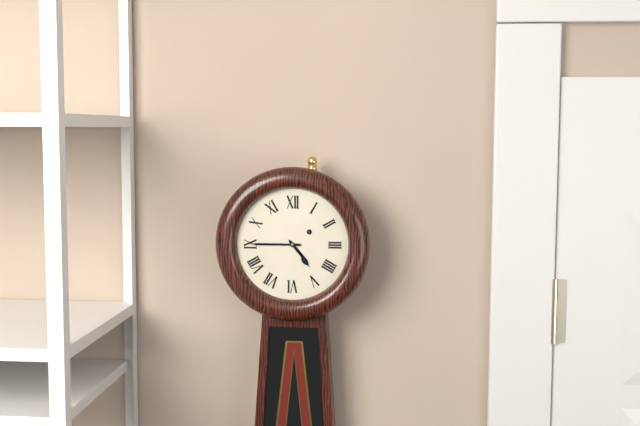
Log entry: 4:45
